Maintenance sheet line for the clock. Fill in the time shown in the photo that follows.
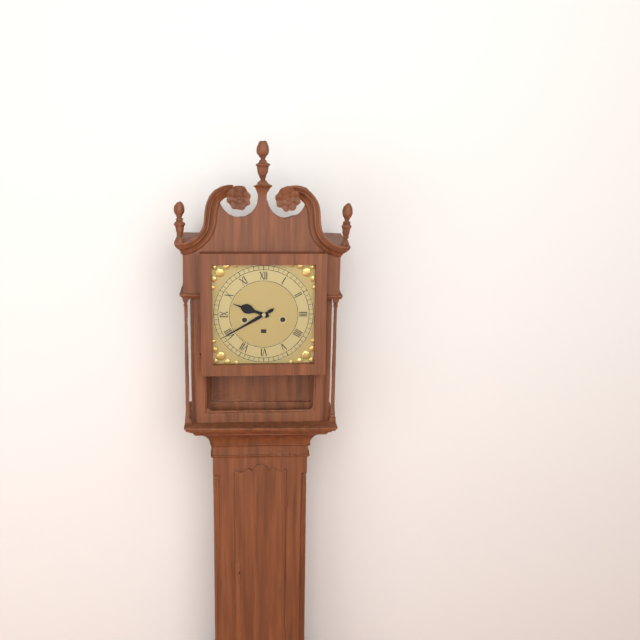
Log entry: 9:40
